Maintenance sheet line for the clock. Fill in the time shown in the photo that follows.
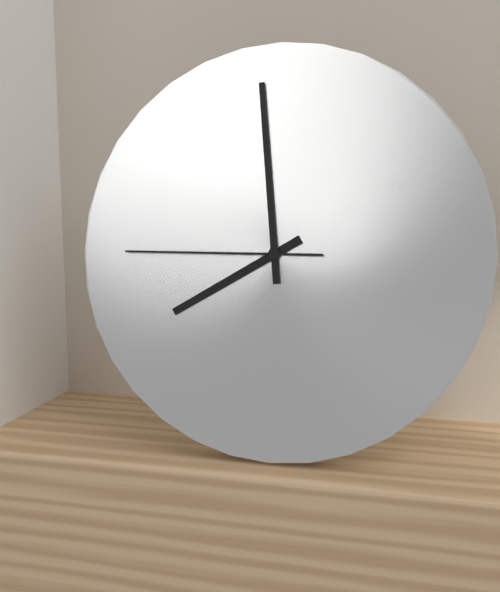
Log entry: 7:59:45
